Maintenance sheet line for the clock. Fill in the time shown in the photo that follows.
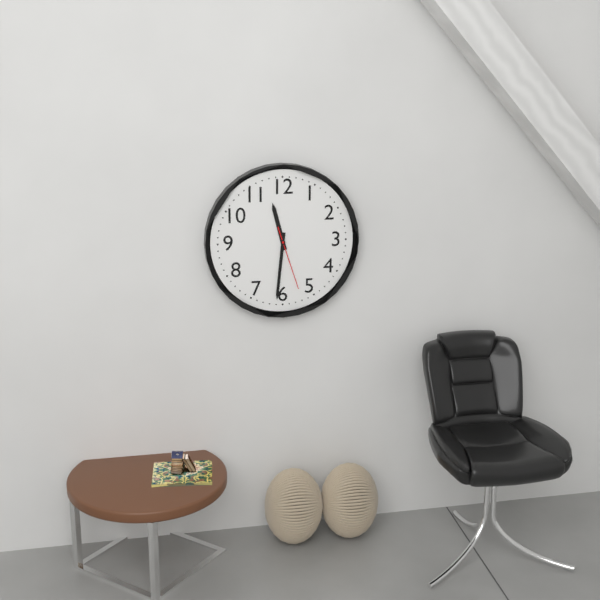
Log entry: 11:31:27
